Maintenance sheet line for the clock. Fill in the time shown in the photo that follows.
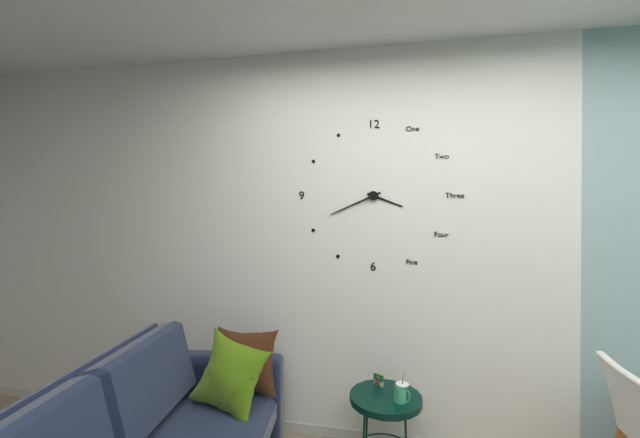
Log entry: 3:41
